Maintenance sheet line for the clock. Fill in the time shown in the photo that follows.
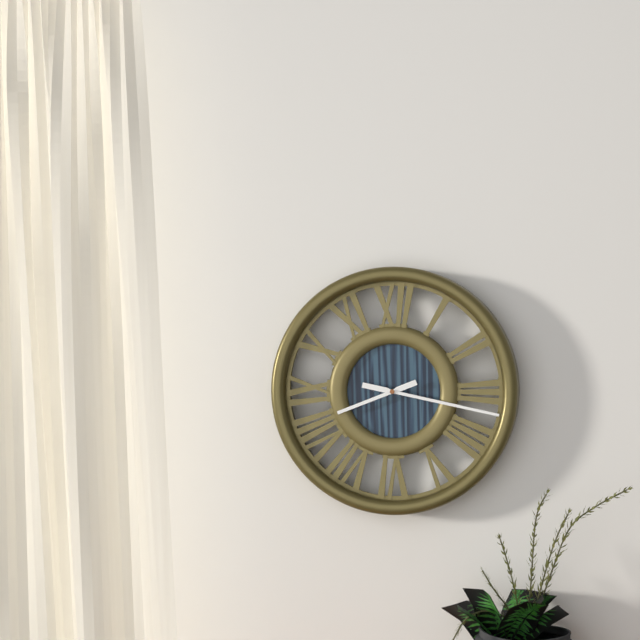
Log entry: 8:17
